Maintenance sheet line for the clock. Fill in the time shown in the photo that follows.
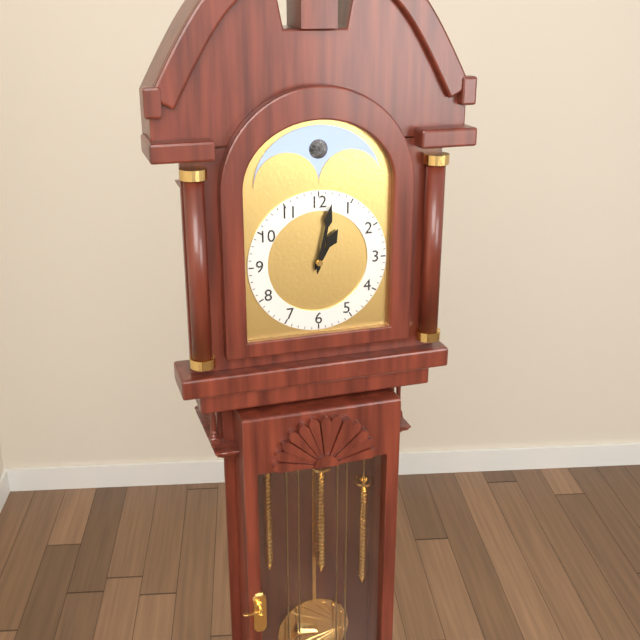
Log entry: 1:02
